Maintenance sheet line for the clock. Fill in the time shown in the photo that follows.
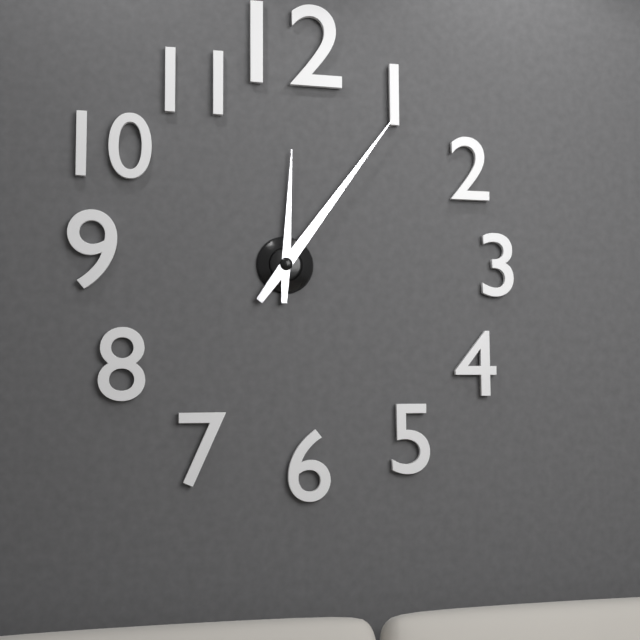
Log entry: 12:06
